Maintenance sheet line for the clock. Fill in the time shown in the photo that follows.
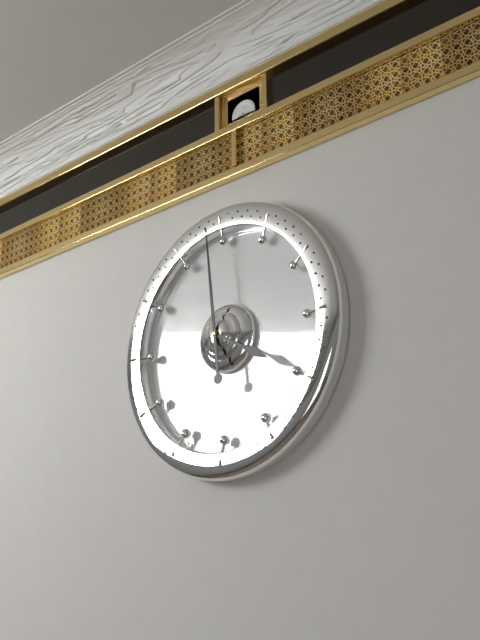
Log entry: 3:59
